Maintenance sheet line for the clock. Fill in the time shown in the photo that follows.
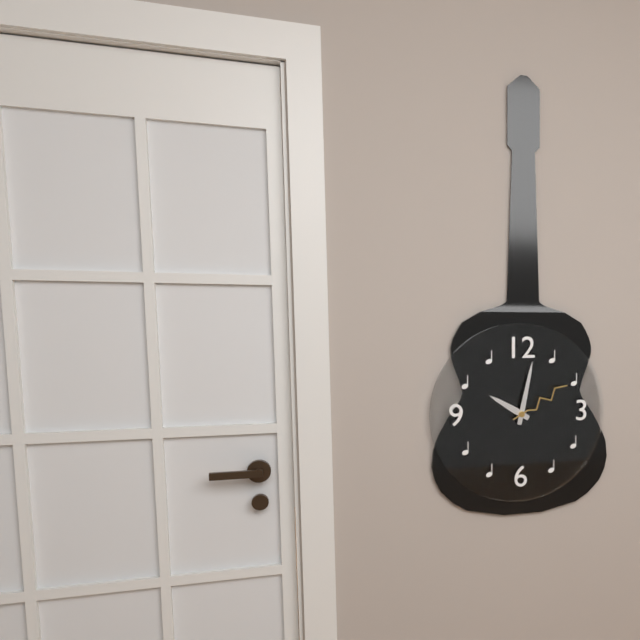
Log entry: 10:02:10
